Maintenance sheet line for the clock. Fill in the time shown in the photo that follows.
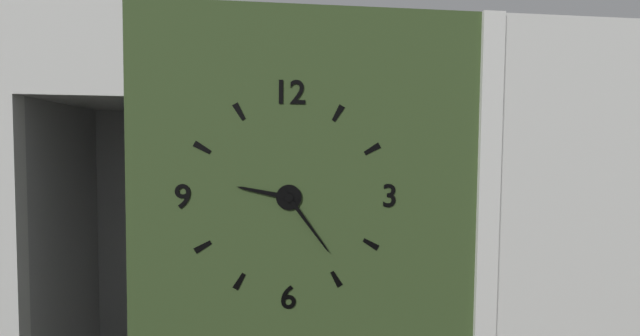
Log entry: 9:24
